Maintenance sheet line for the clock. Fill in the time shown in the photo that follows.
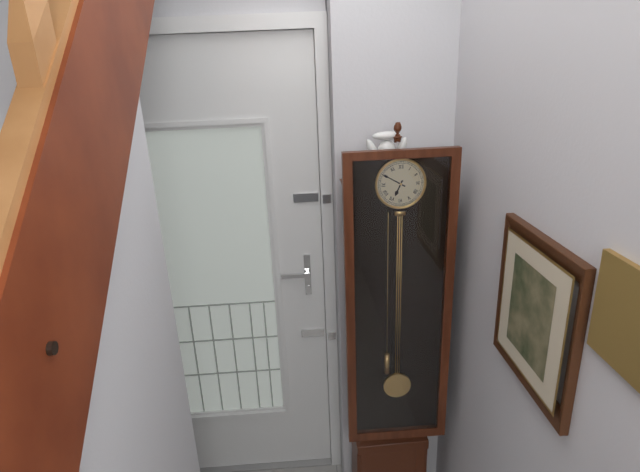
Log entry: 6:50
